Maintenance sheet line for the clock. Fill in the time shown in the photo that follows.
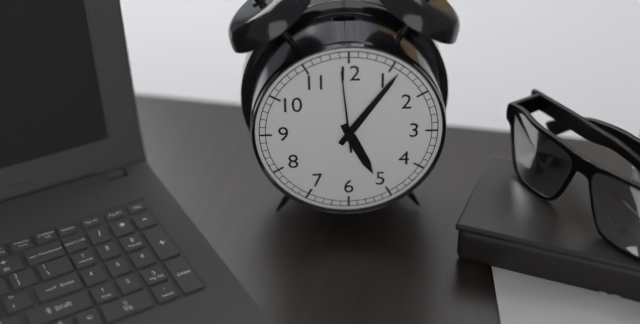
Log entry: 5:06:59
